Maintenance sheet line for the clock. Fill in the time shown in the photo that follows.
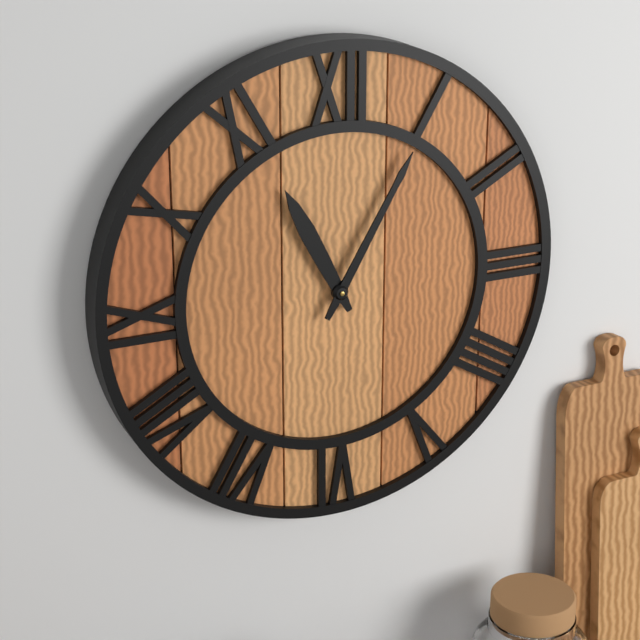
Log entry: 11:05
